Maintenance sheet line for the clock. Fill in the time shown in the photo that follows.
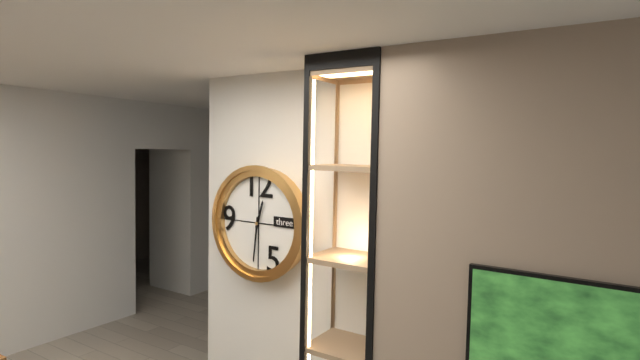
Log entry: 12:31
